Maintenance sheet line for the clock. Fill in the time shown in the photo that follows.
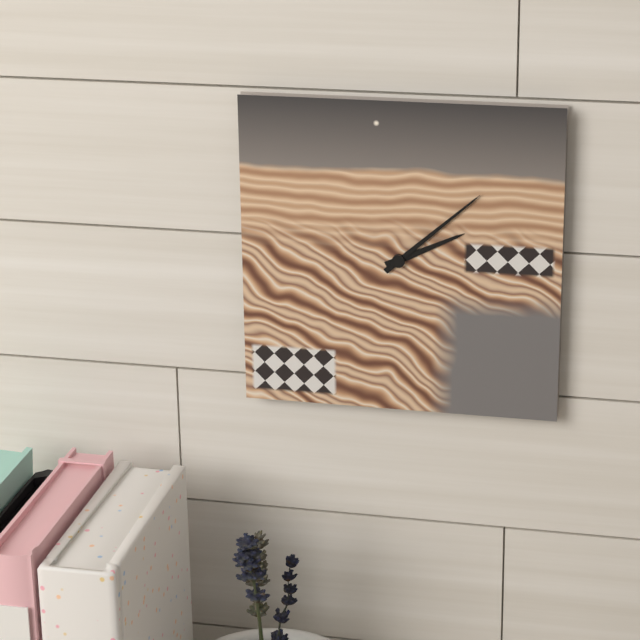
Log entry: 2:08
